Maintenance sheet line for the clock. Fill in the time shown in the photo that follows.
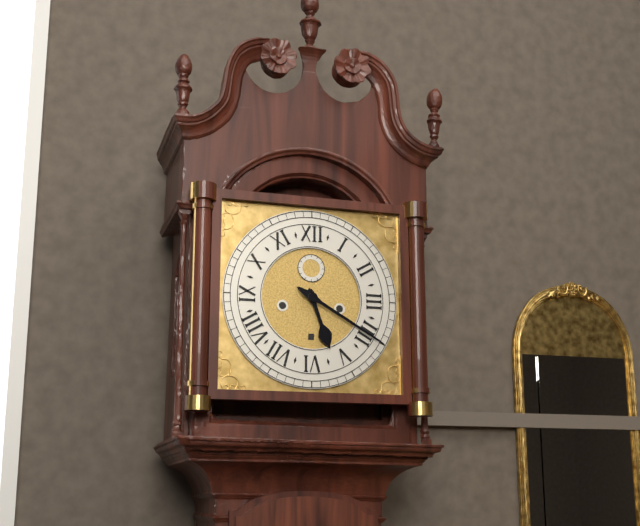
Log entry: 5:20
